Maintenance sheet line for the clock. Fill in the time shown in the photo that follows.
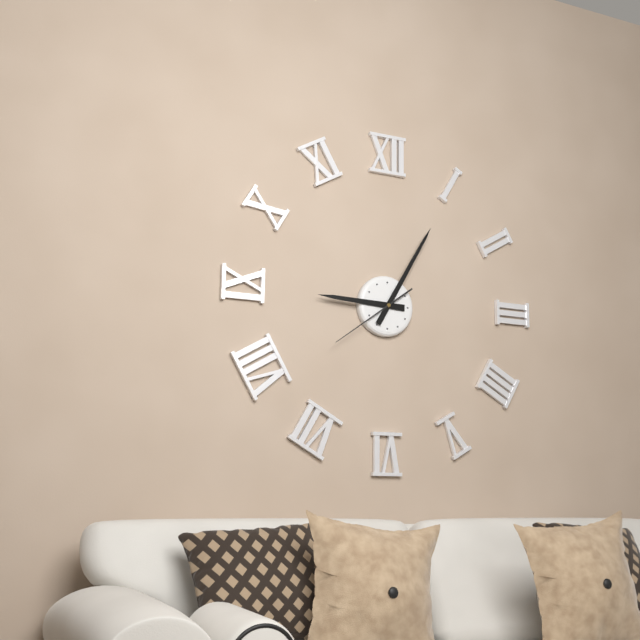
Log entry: 9:05:39
